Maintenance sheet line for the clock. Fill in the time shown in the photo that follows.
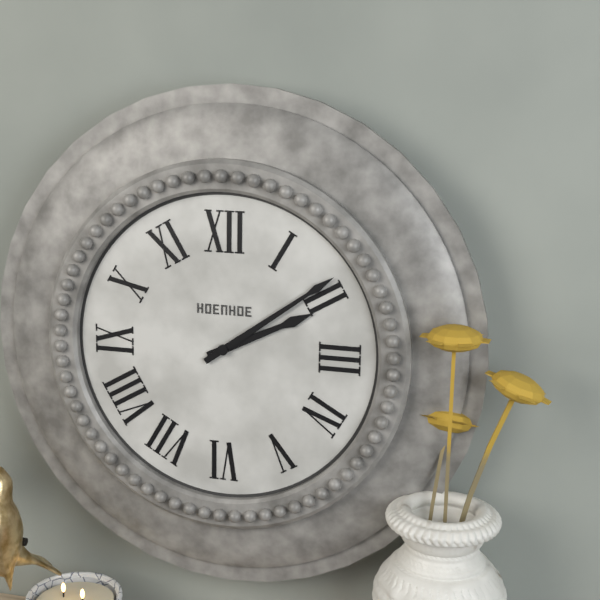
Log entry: 2:09
